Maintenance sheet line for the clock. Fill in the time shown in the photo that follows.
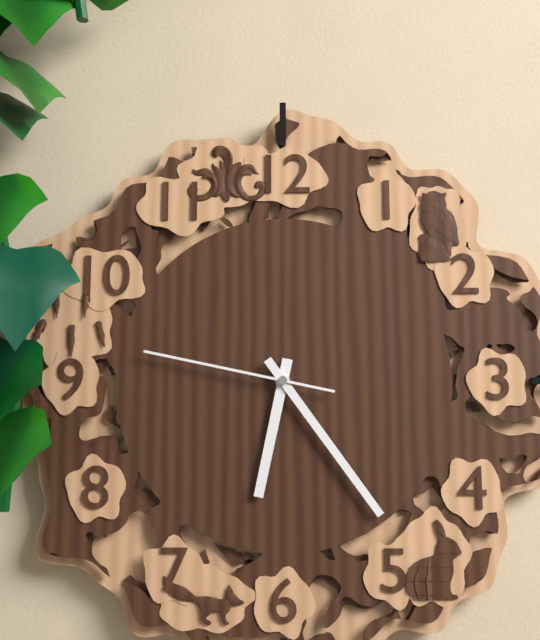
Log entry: 6:24:47
